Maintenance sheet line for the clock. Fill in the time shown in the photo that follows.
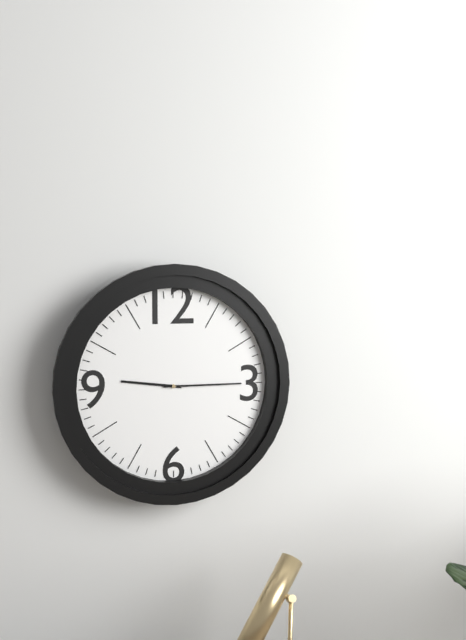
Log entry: 9:15
